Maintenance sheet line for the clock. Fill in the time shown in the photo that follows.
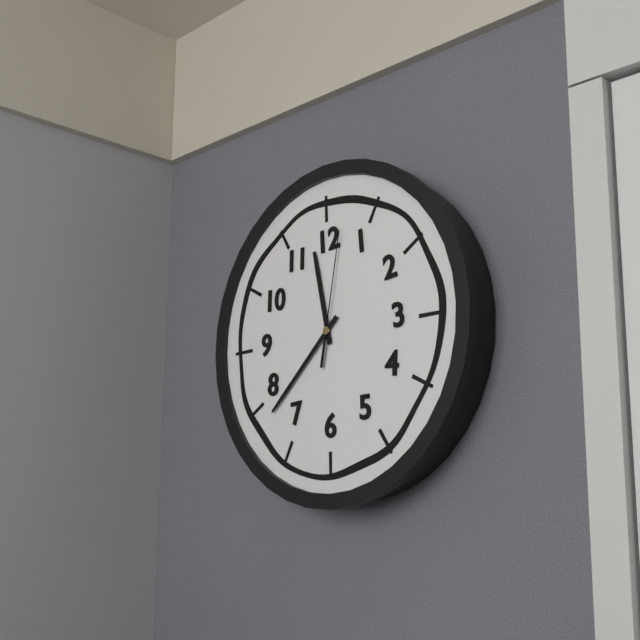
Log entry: 11:38:02
